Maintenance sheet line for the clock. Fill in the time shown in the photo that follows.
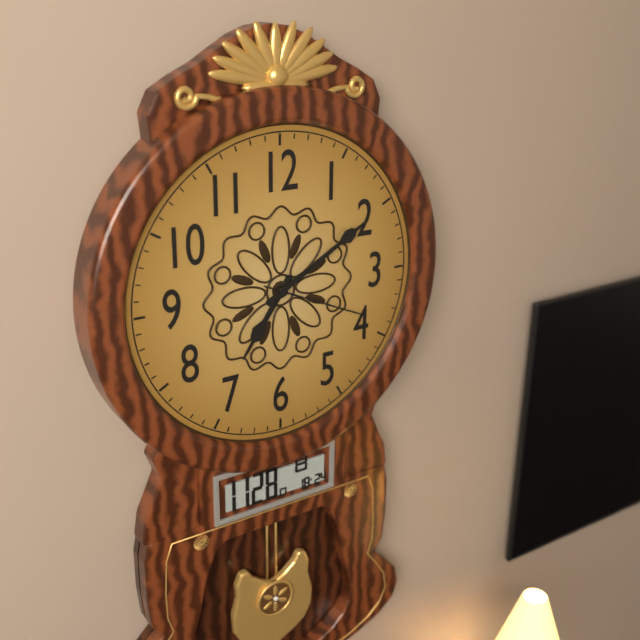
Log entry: 7:10:19
